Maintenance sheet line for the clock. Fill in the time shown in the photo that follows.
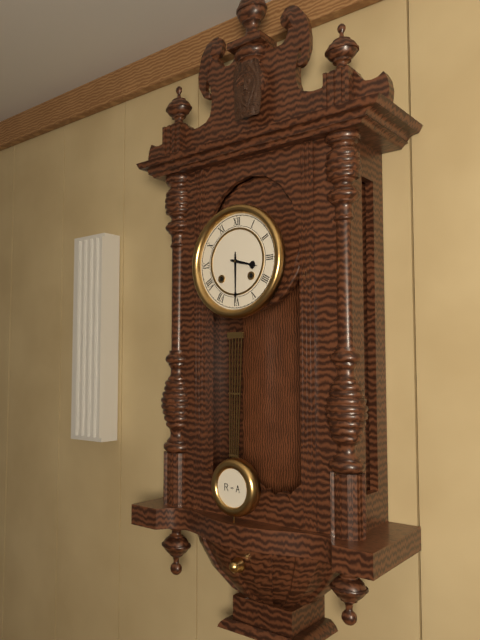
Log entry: 3:30
